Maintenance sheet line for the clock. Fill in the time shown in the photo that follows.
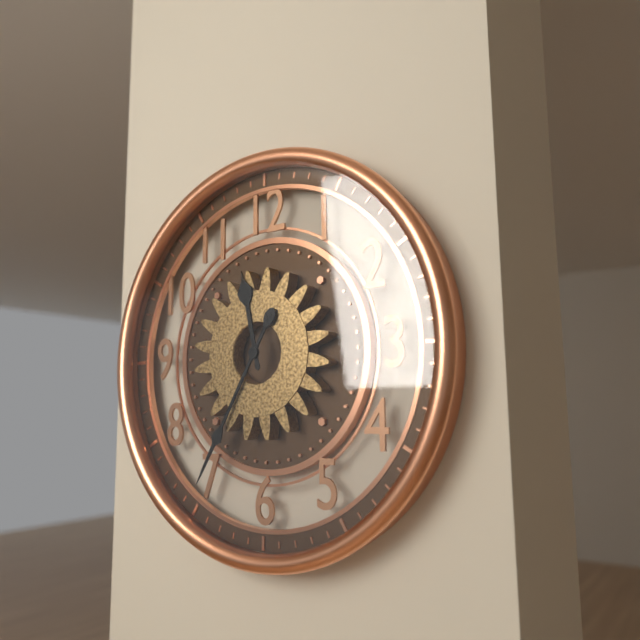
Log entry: 11:35
